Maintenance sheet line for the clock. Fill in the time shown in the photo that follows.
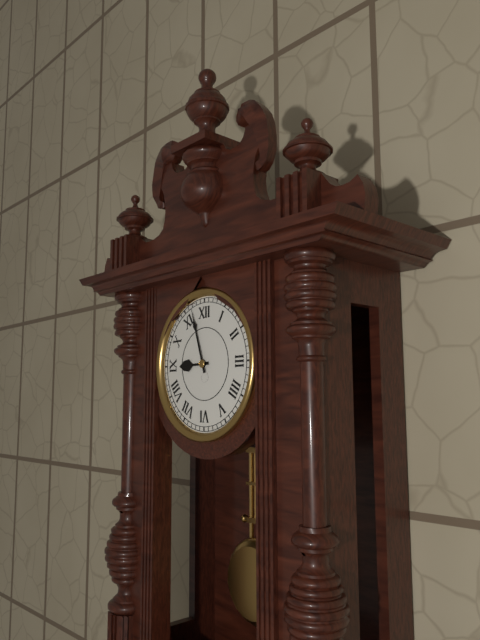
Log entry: 8:57
